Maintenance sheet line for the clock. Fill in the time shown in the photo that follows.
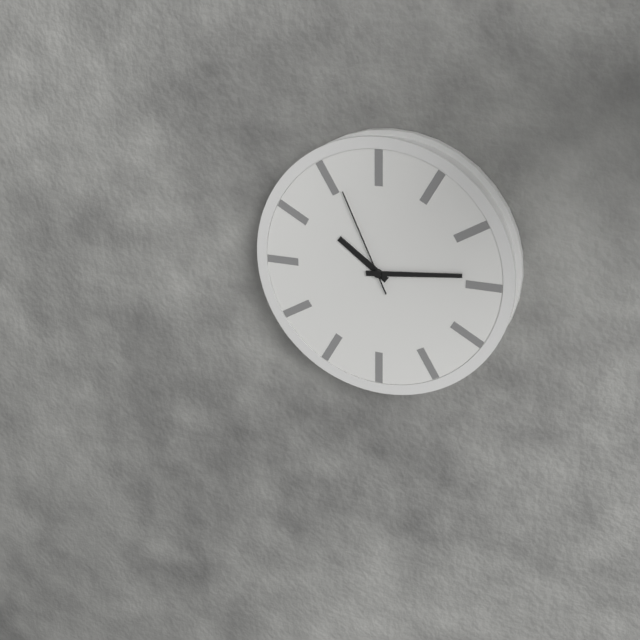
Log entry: 10:14:56
